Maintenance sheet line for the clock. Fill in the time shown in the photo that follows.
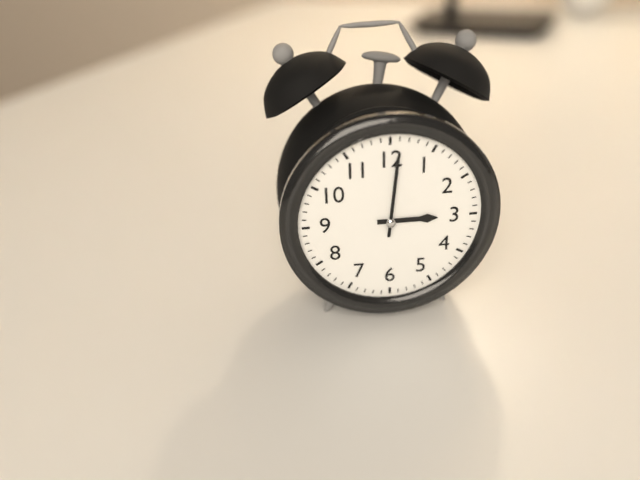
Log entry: 3:01
